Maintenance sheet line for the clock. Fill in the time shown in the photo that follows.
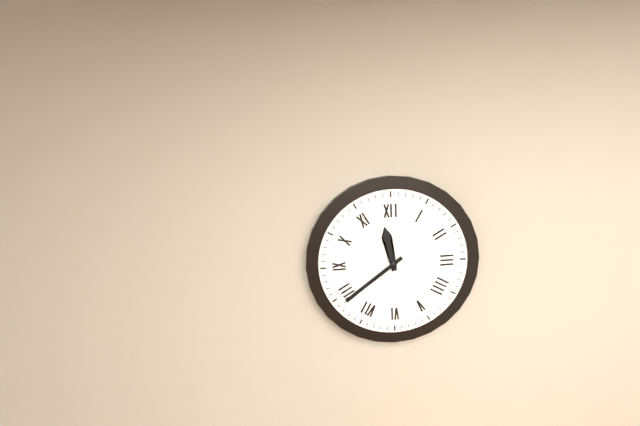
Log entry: 11:39
